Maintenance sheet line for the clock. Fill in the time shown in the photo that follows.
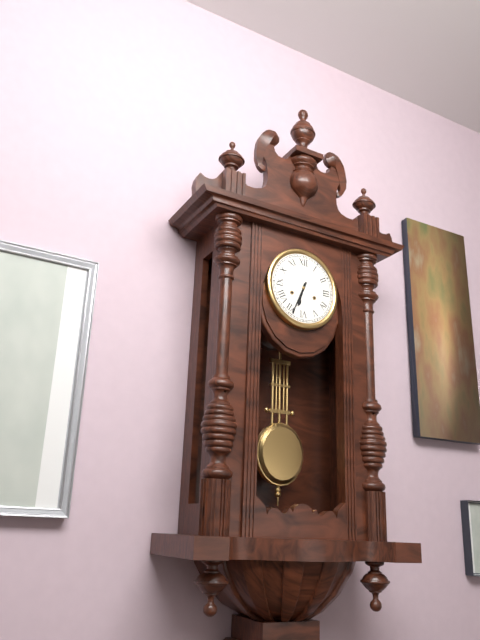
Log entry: 6:34
